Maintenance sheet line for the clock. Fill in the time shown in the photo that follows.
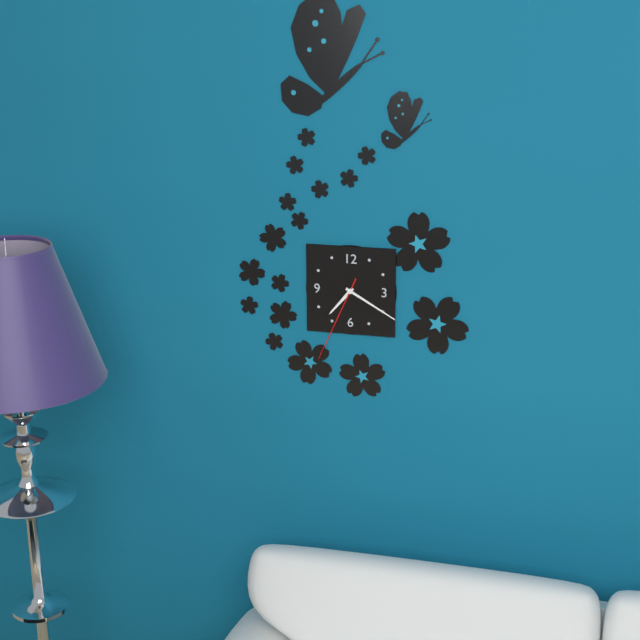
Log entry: 7:20:34
